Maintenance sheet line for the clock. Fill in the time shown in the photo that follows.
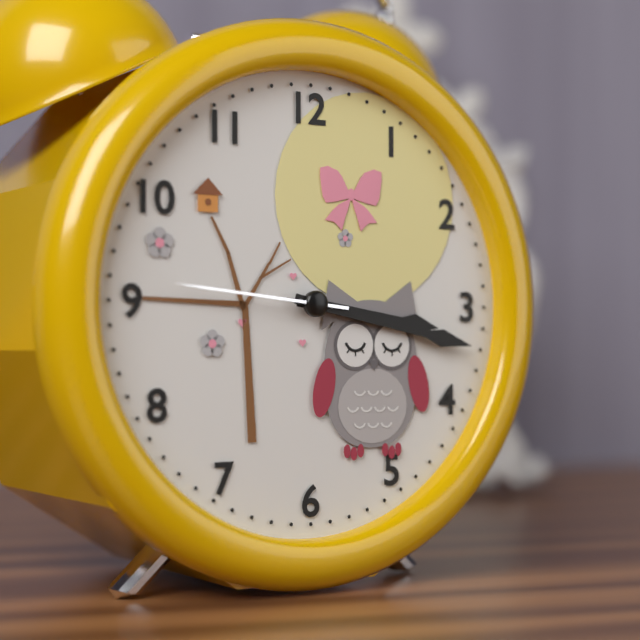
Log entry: 3:17:46
